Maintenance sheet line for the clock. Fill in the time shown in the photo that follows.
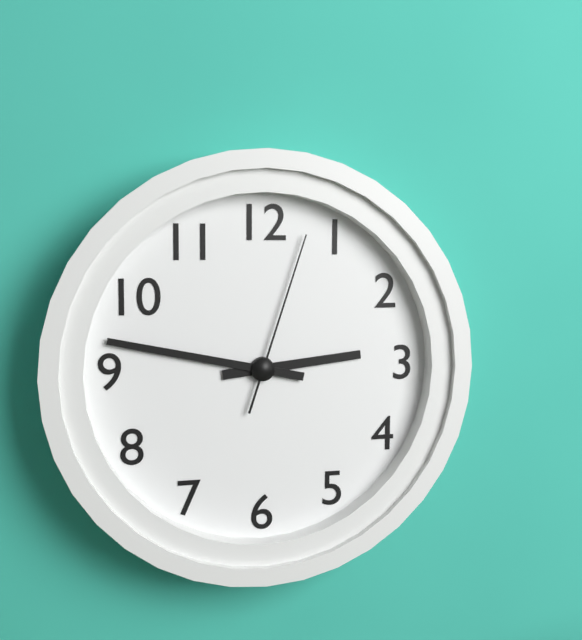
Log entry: 2:47:03
